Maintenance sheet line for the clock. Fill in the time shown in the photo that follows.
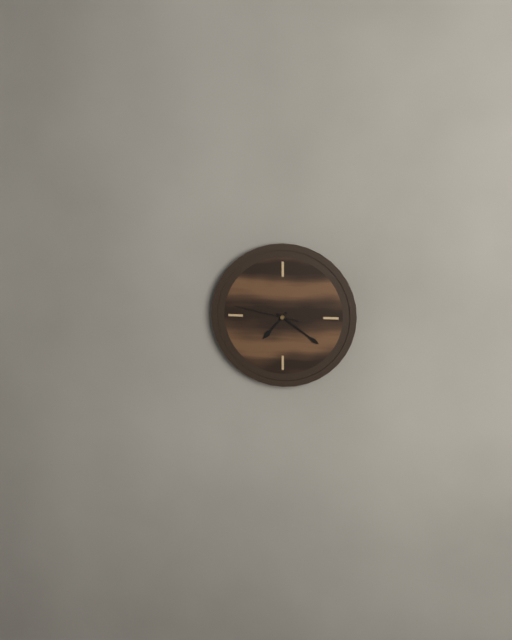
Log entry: 7:21:47
